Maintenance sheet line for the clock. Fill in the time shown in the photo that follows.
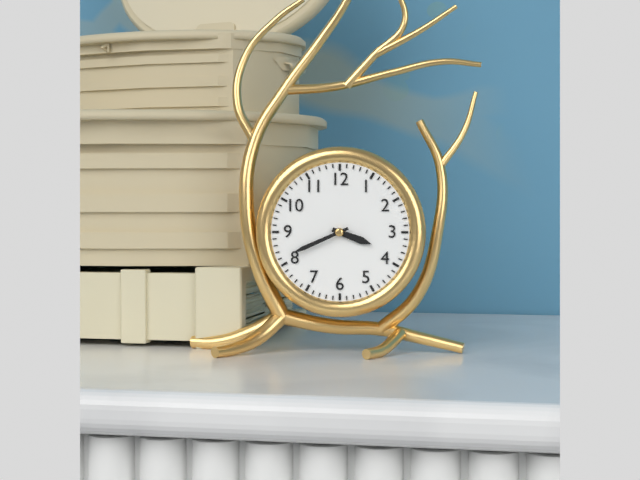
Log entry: 3:41
